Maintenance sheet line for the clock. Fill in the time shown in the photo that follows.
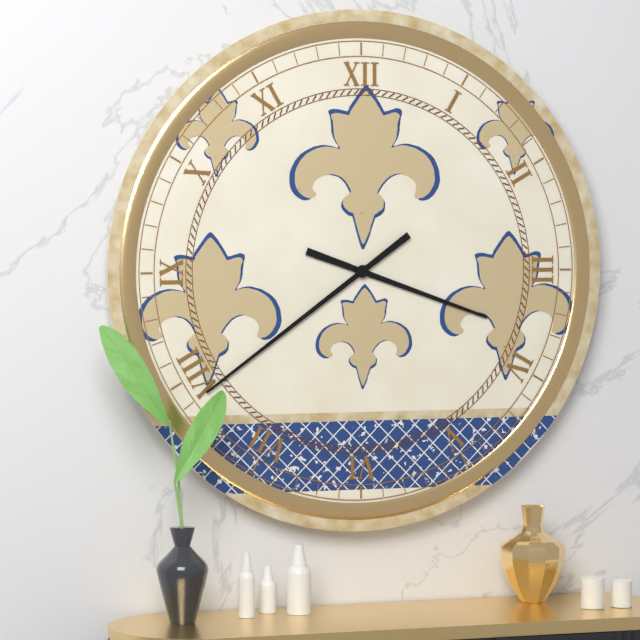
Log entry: 3:39
